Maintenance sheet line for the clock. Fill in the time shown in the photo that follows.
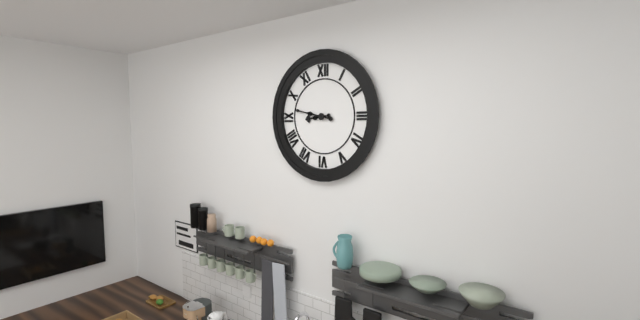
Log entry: 8:47
